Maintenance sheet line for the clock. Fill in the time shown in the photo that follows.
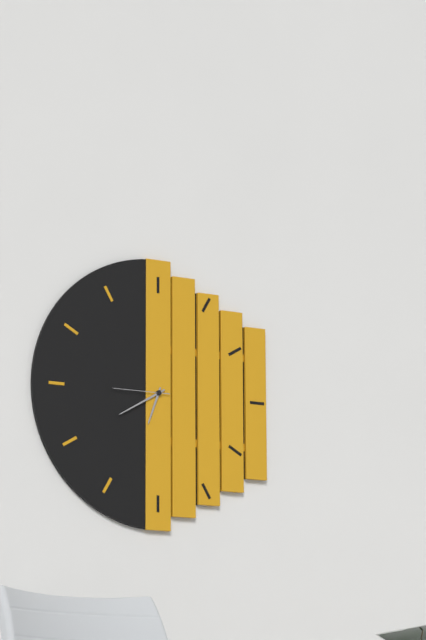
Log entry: 6:40:45
